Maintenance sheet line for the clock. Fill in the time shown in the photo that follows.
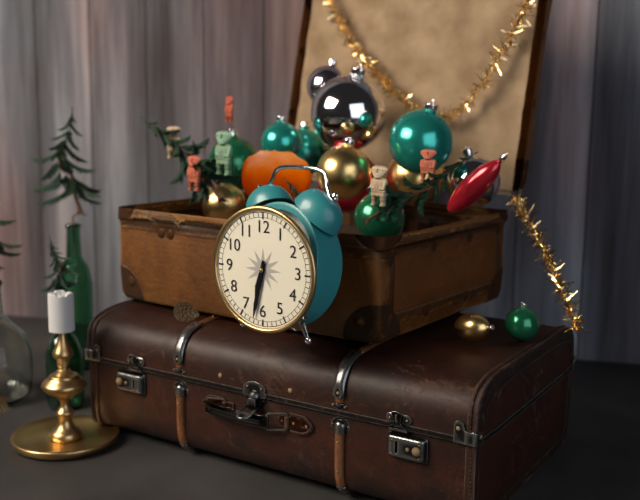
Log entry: 6:32
